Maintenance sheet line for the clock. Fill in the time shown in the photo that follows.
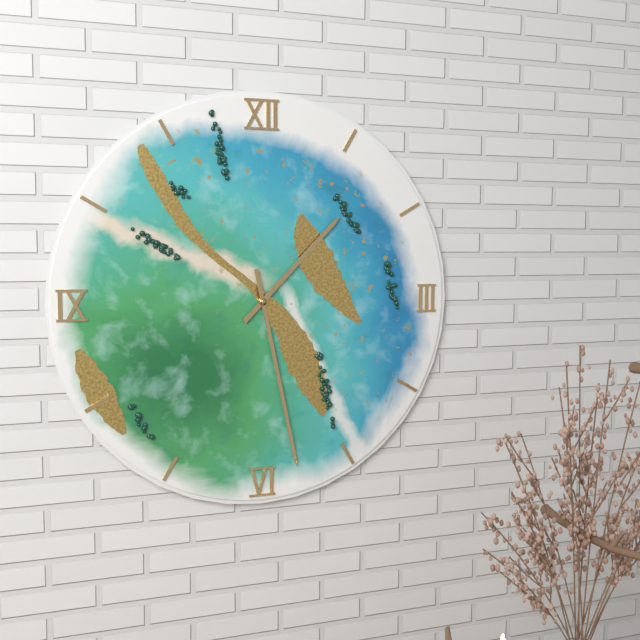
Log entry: 1:28
